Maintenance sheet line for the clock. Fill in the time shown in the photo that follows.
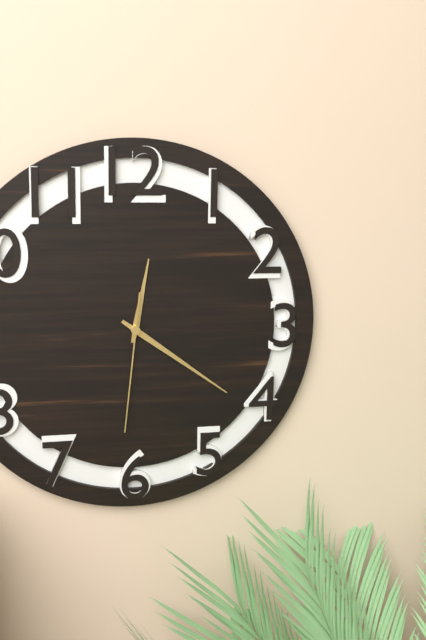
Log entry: 12:21:31
